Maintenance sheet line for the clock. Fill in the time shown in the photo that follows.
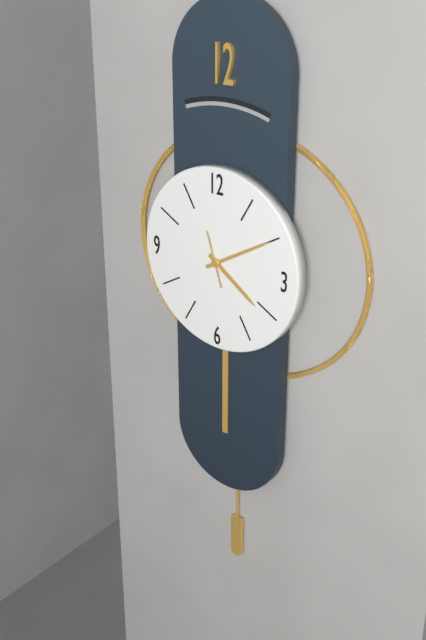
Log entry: 4:10
